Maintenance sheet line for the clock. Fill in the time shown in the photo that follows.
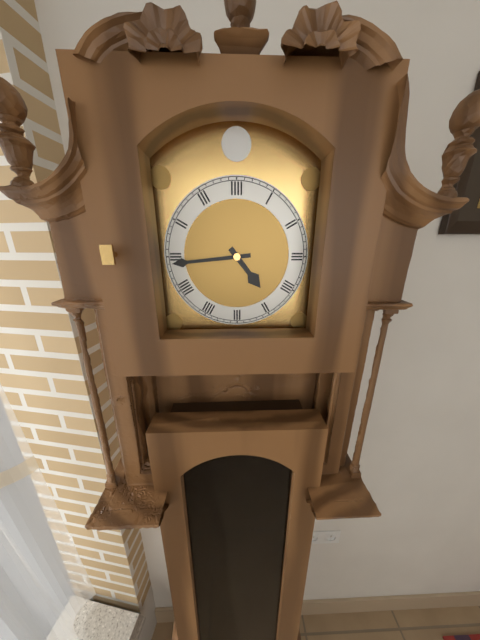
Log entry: 4:44
